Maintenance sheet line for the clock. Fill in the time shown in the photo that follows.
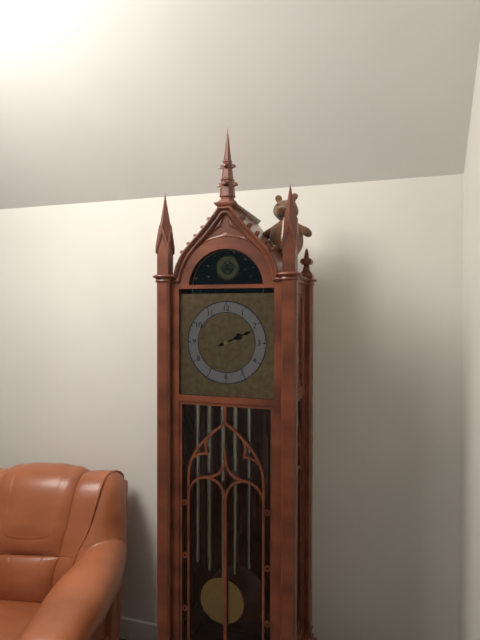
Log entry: 2:11
